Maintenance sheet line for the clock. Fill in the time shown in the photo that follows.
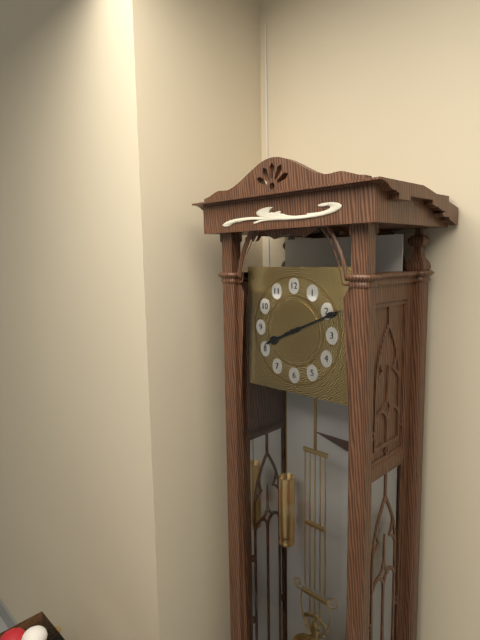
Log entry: 8:11
